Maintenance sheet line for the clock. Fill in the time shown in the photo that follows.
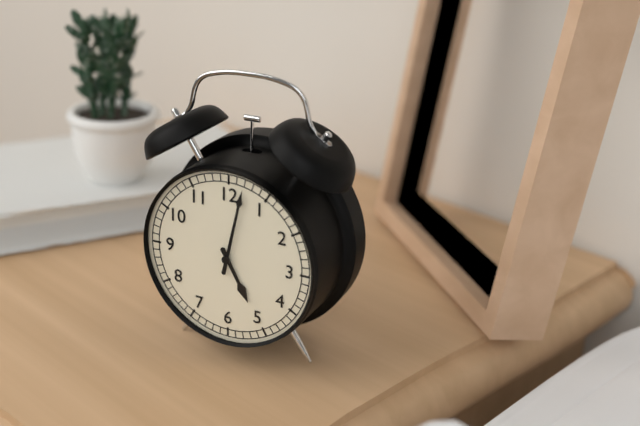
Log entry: 5:02
